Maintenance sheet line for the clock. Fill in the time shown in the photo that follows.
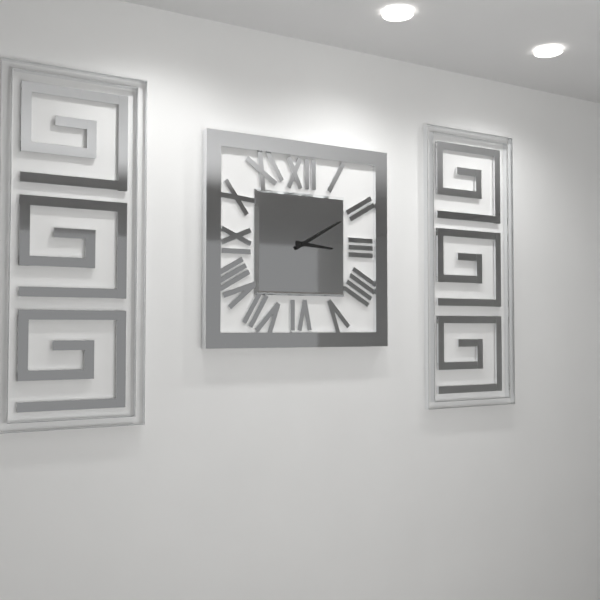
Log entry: 3:10
